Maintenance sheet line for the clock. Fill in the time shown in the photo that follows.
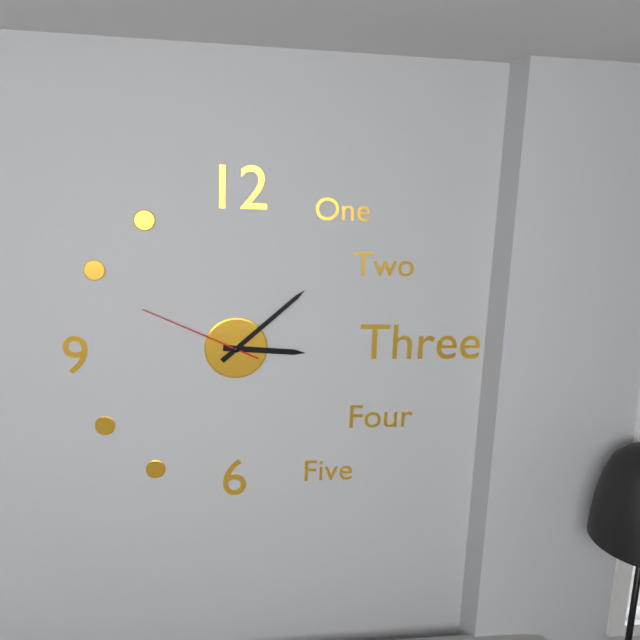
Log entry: 3:08:49
